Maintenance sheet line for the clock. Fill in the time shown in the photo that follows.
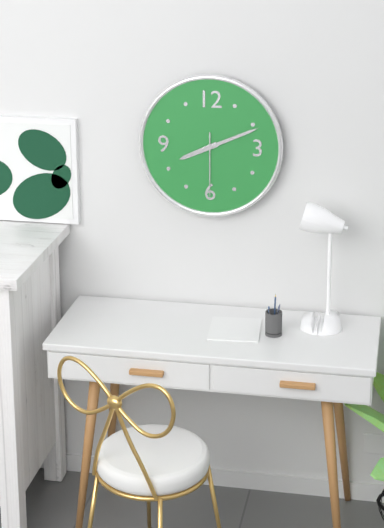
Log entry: 8:11:30
